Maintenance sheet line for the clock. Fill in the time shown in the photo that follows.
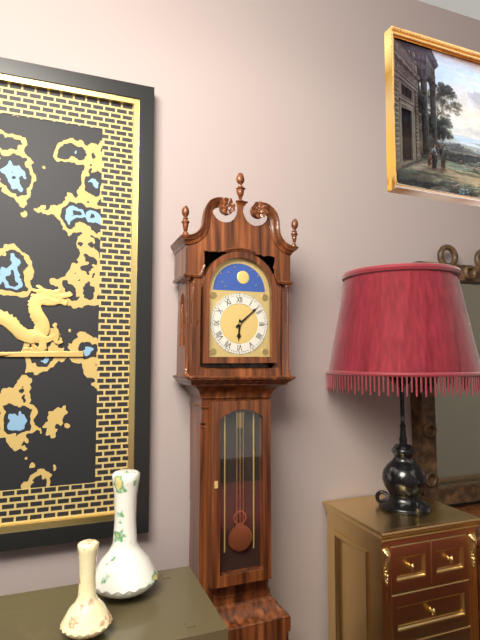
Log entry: 6:08
